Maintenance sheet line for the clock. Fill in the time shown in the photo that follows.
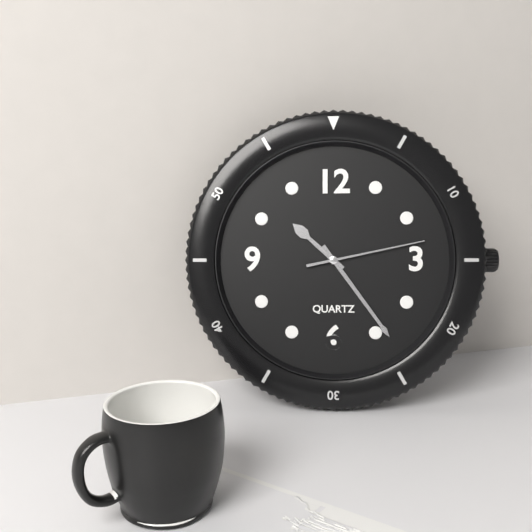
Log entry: 10:24:13
